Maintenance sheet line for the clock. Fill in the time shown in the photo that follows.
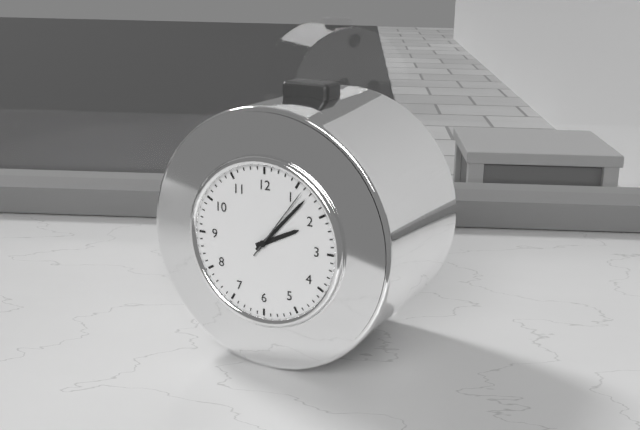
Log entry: 2:07:06
